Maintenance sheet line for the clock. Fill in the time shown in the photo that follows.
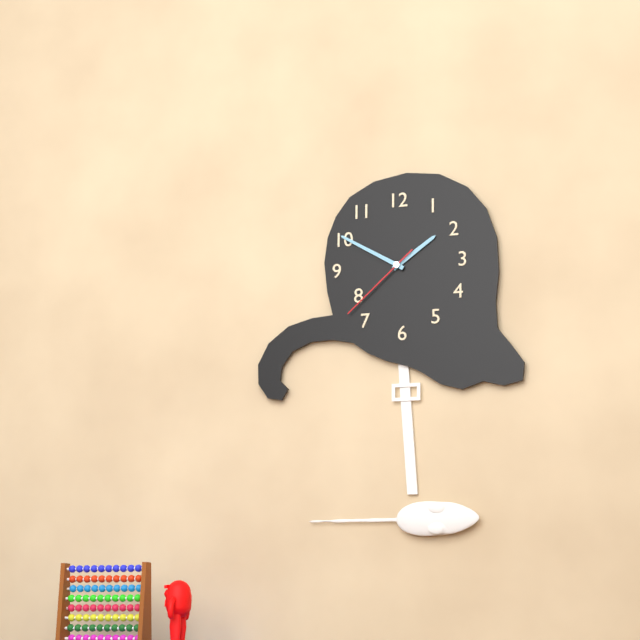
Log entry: 1:50:38
